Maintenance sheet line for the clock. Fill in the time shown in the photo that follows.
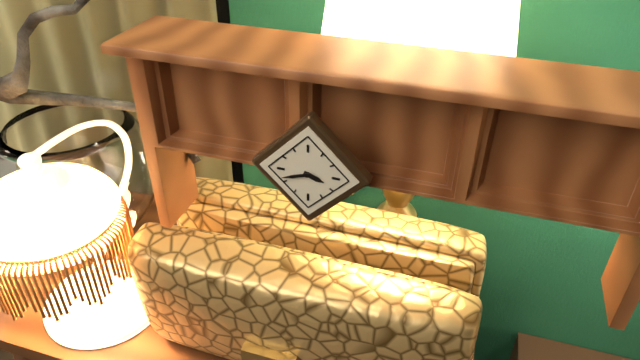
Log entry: 3:42
